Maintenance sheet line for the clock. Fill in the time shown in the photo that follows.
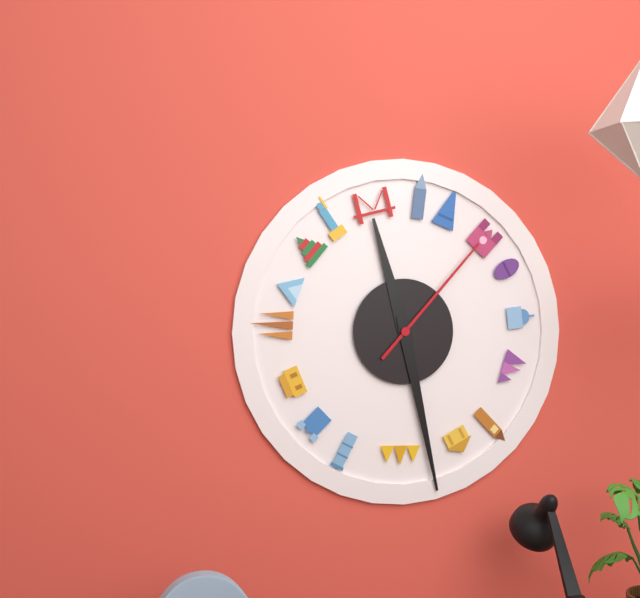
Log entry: 11:28:07
